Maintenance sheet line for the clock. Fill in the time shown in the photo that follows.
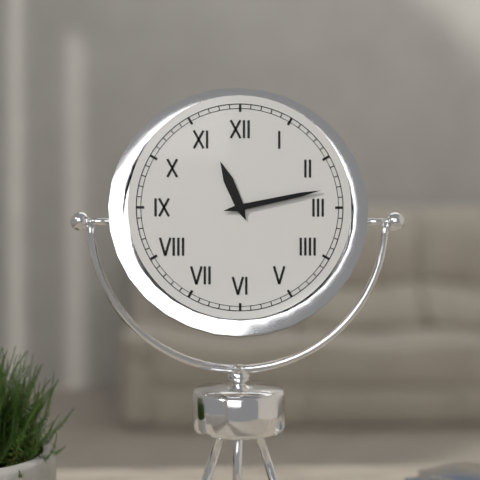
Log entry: 11:13
